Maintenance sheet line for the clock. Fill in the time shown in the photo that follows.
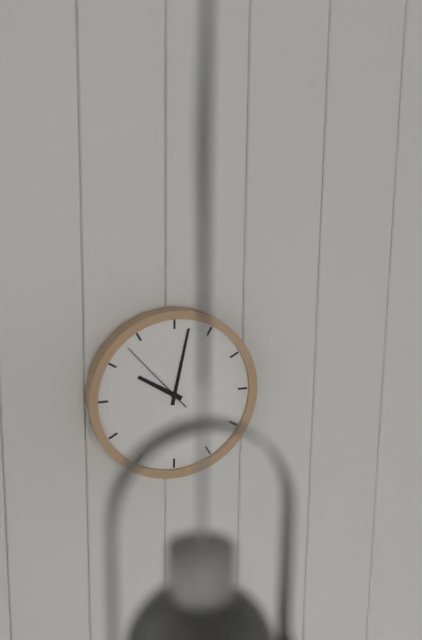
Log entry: 10:02:53
